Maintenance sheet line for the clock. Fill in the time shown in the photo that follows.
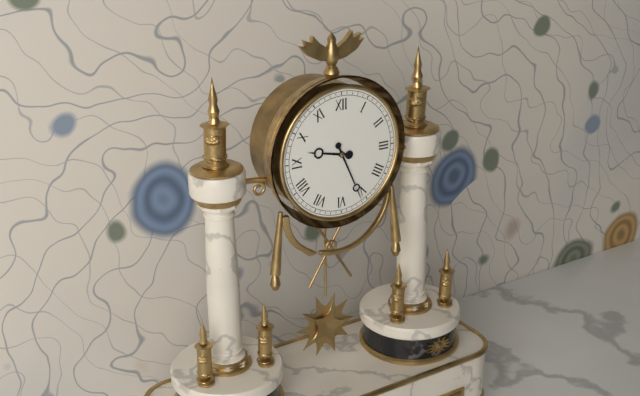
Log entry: 9:26
